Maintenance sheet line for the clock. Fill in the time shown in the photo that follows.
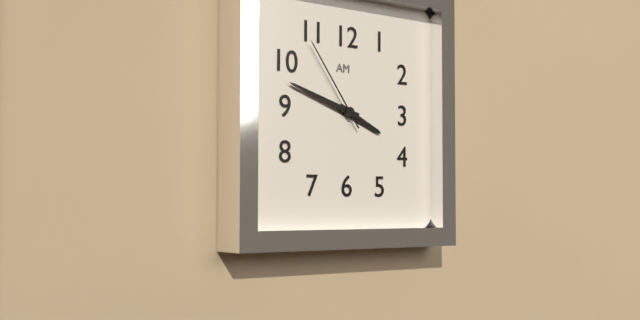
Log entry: 3:48:54
